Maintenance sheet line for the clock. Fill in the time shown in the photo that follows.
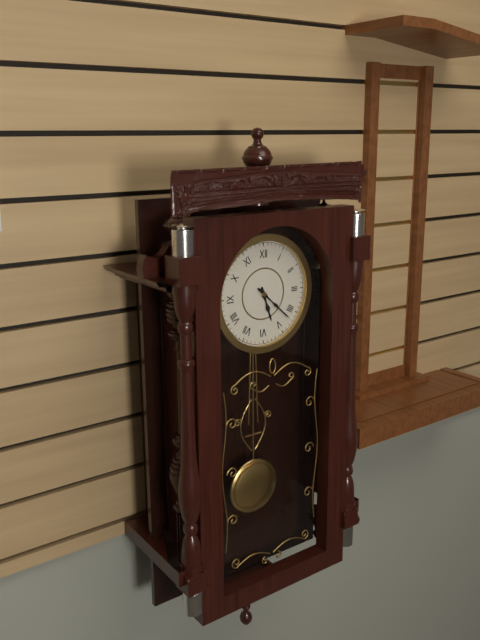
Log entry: 5:22
